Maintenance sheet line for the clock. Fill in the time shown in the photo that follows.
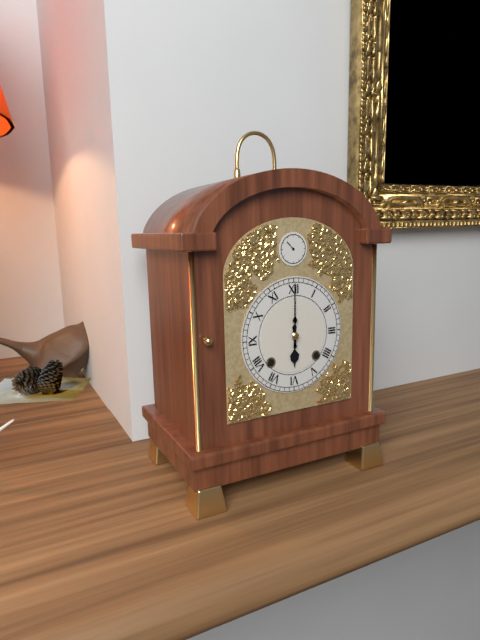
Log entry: 6:00
